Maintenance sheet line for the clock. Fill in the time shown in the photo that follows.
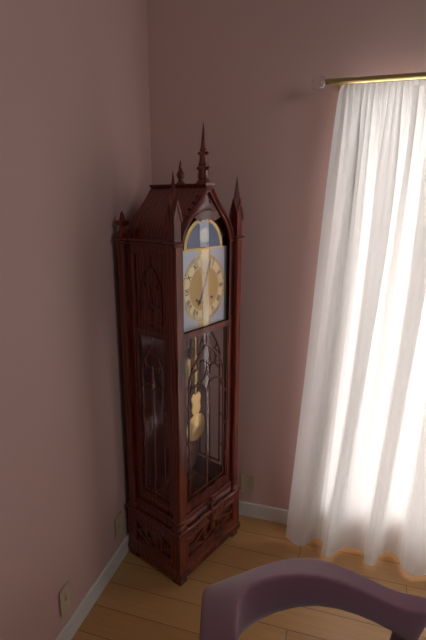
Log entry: 7:03
